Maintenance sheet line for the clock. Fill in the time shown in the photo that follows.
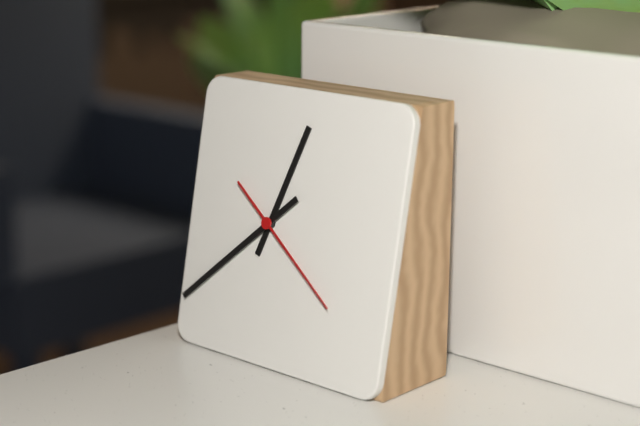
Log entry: 12:38:21
